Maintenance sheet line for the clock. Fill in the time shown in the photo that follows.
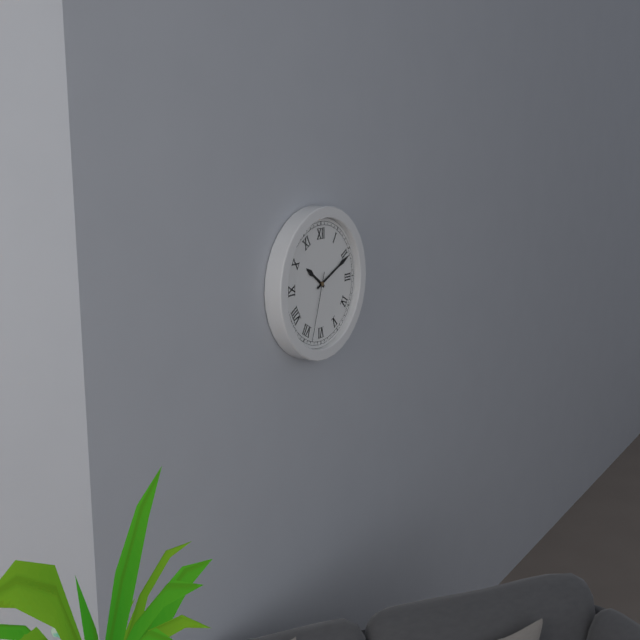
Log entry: 10:11:33
